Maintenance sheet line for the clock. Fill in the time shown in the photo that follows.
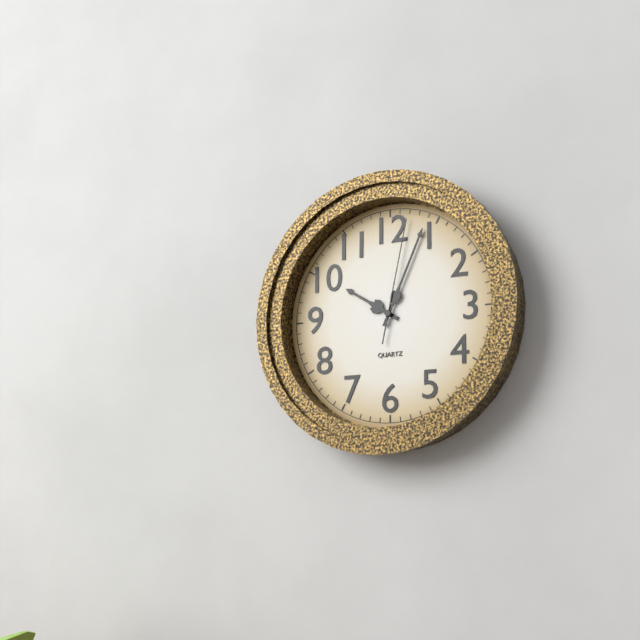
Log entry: 10:04:02
